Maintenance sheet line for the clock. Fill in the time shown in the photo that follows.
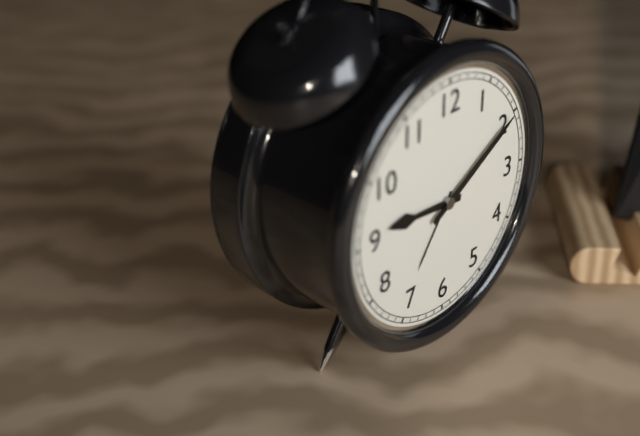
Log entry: 9:10
